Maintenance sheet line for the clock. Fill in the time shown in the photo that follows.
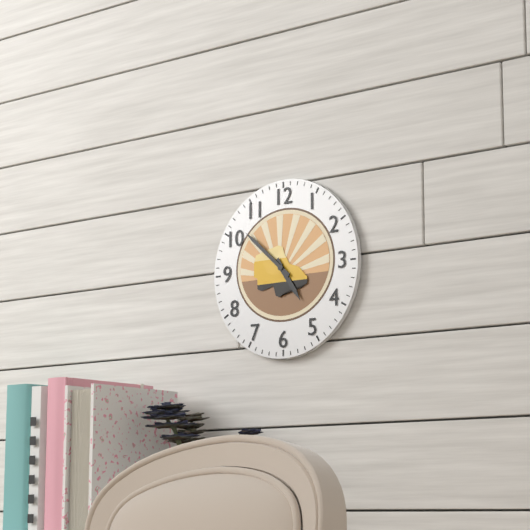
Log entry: 4:52
